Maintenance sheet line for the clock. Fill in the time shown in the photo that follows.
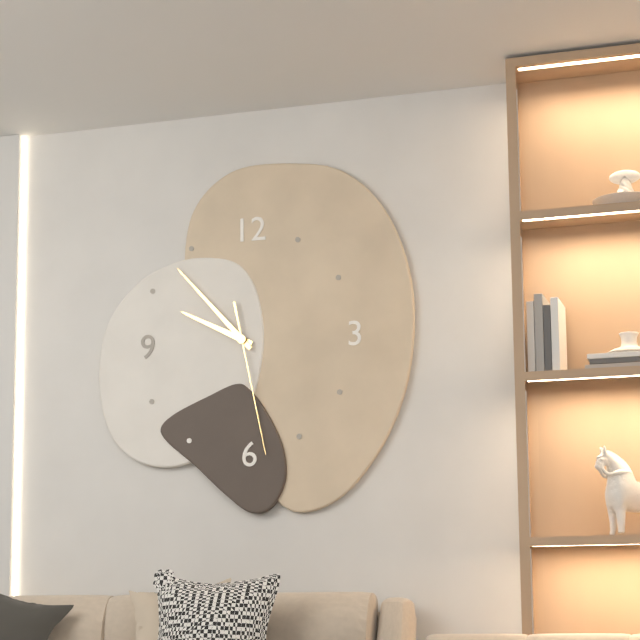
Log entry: 9:53:28
